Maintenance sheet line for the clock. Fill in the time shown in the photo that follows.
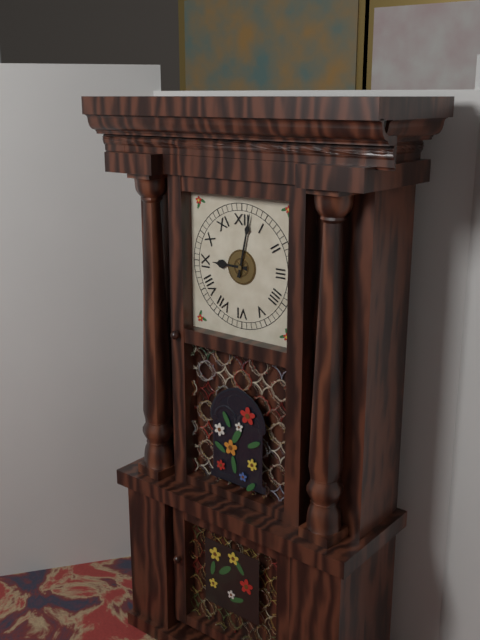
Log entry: 9:02
